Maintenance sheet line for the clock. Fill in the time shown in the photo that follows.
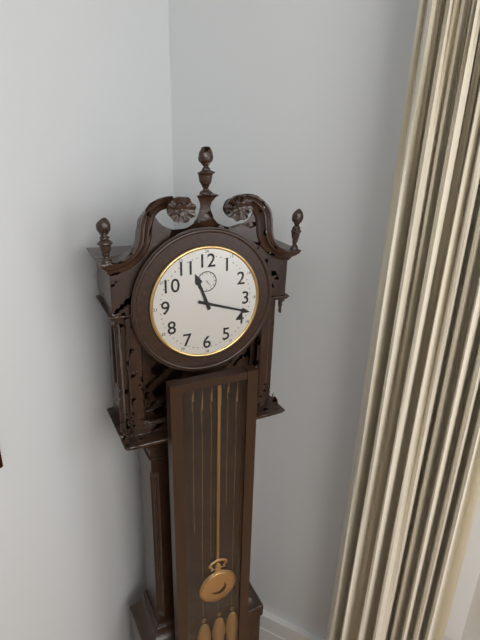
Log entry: 11:18
